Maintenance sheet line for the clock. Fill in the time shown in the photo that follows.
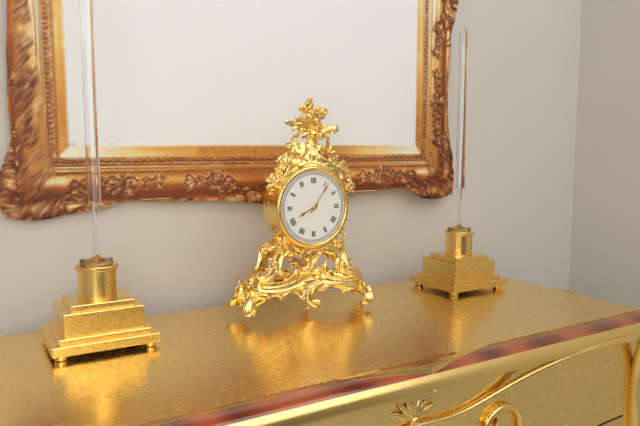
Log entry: 8:06
